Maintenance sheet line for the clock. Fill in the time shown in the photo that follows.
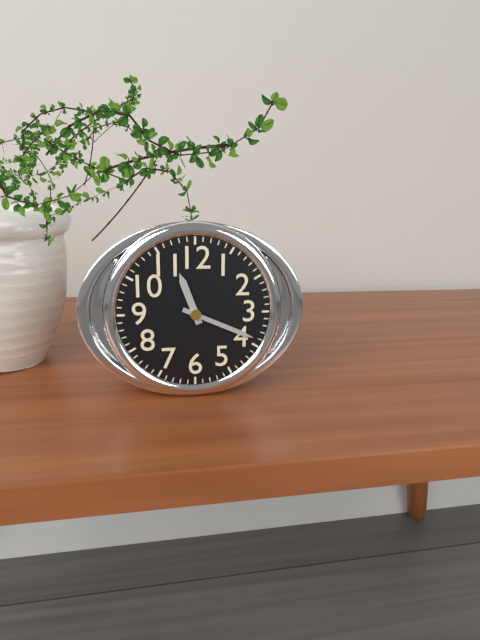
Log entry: 11:19
